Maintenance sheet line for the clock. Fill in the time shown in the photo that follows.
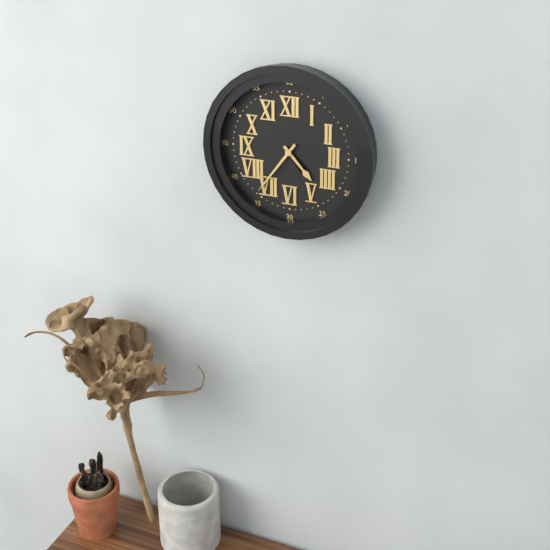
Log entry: 4:36
